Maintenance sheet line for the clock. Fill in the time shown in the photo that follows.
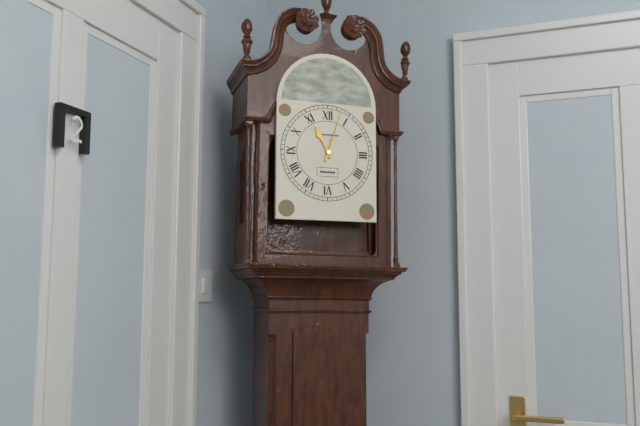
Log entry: 11:03
